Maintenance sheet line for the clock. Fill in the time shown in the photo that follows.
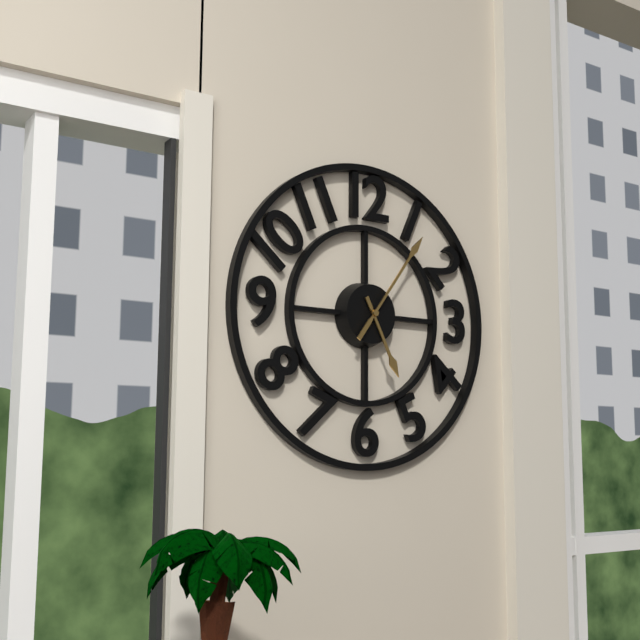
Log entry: 5:06
